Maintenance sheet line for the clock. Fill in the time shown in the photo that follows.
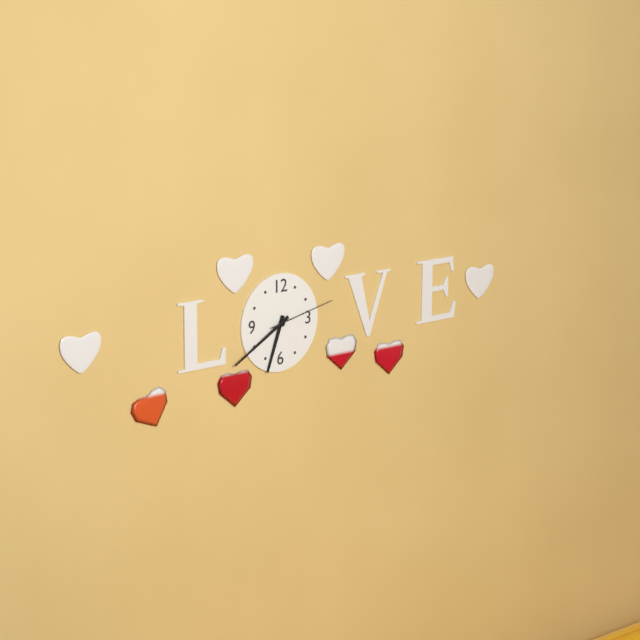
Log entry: 6:40:13
